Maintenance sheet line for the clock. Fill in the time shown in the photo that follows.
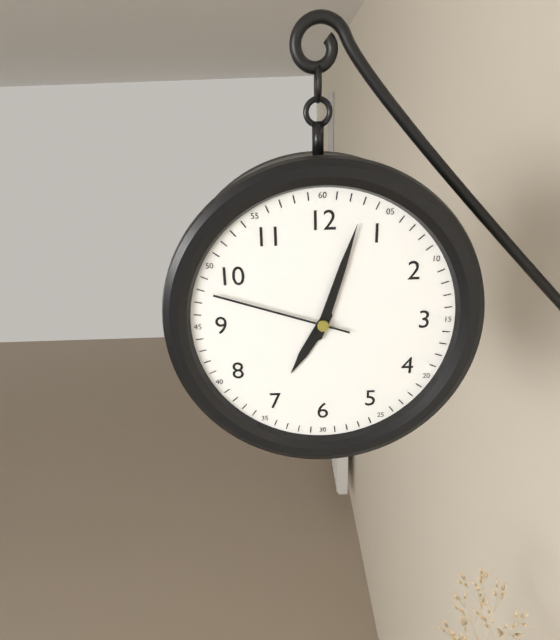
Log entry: 7:03:48
